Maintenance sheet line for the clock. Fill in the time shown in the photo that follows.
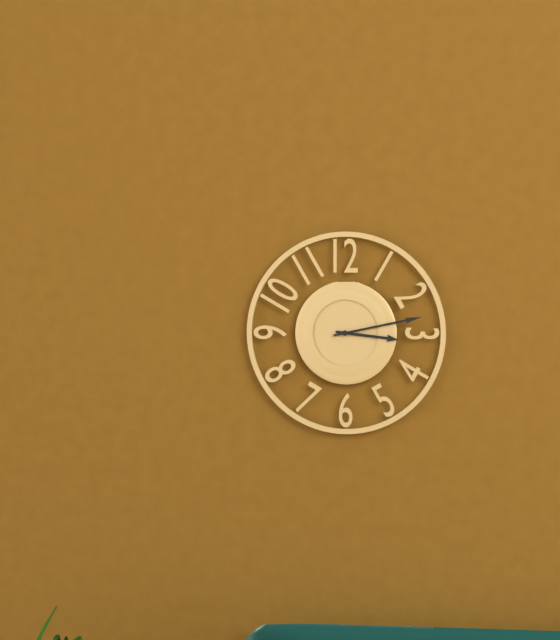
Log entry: 3:13
